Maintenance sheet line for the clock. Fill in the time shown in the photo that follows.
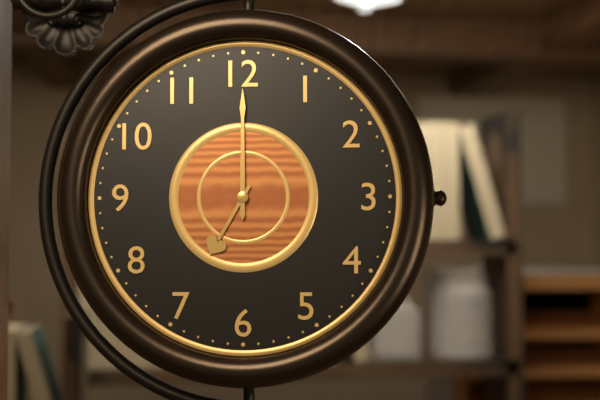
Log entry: 7:00
